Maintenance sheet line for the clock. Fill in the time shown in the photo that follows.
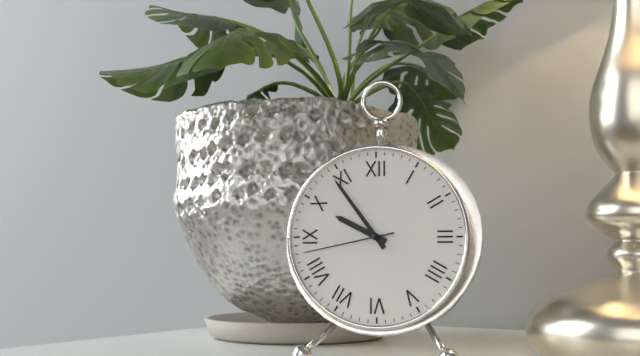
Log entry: 9:54:43
